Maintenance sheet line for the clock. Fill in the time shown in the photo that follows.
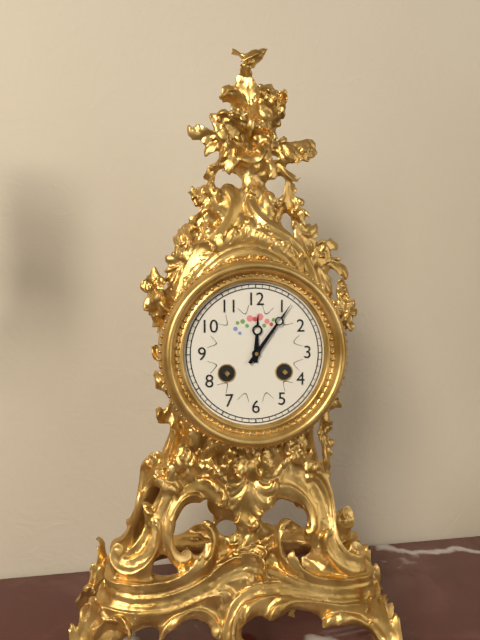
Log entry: 12:06
